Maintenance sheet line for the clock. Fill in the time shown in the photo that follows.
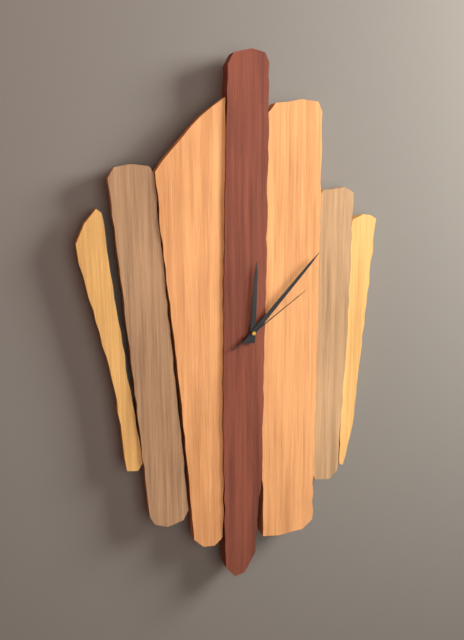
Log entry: 12:07:09
